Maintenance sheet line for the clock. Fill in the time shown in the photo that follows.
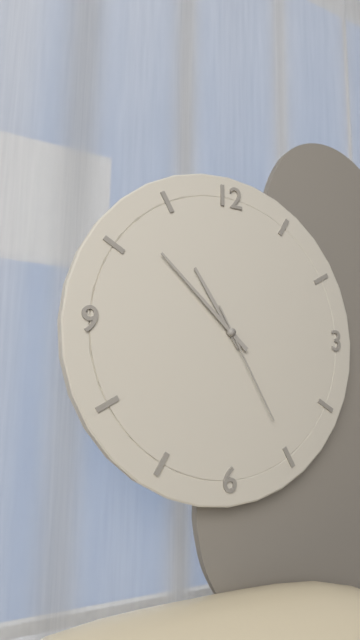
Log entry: 10:52:25
